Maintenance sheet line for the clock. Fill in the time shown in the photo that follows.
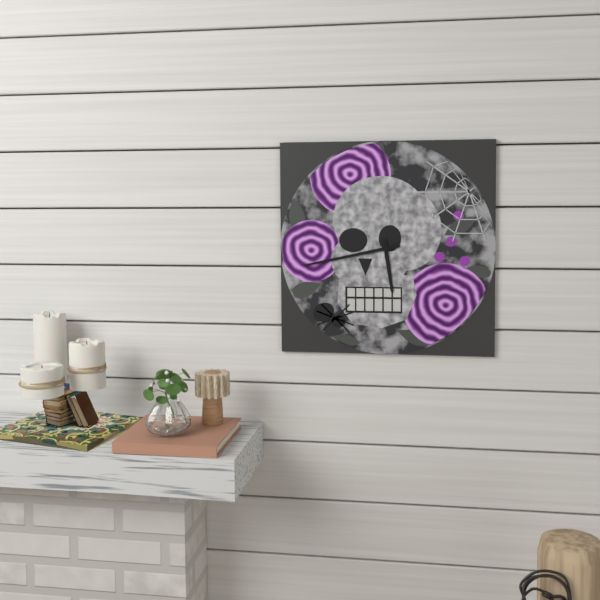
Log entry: 5:43
